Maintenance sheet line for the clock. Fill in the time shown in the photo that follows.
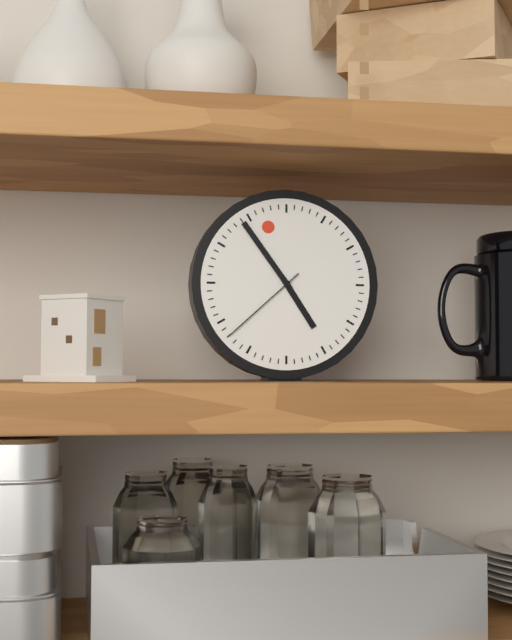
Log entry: 4:54:38
